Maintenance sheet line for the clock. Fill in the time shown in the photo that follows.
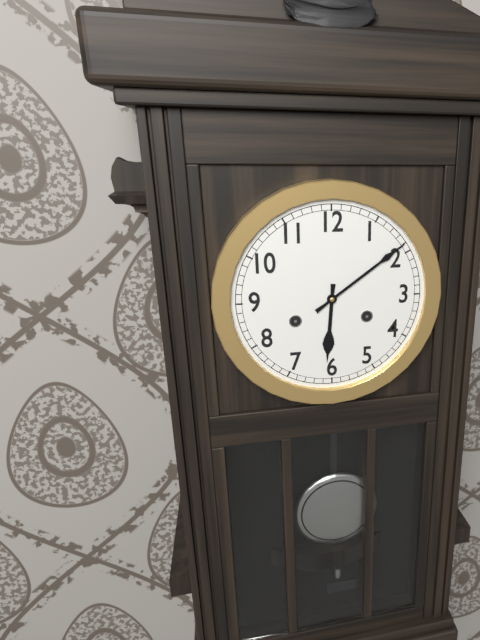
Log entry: 6:09
